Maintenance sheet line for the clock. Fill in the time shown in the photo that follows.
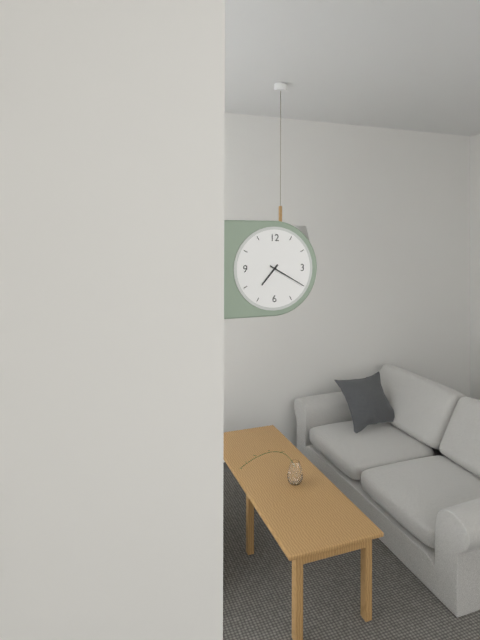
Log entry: 7:20
